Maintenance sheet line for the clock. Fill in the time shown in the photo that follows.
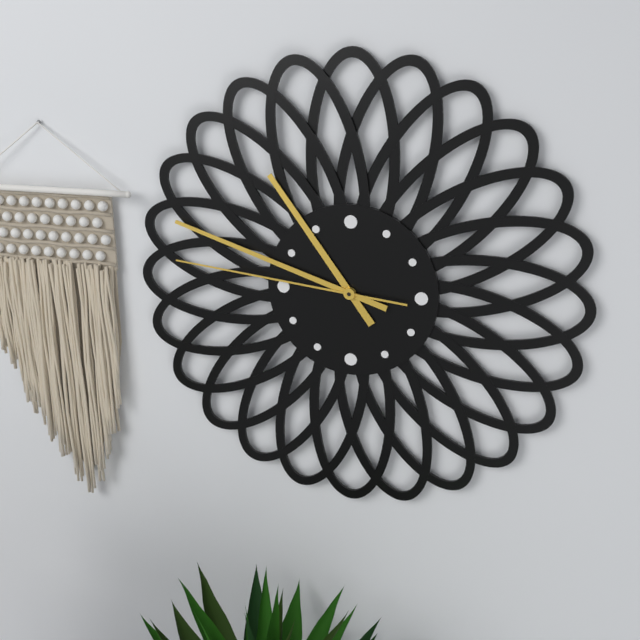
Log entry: 10:48:46
